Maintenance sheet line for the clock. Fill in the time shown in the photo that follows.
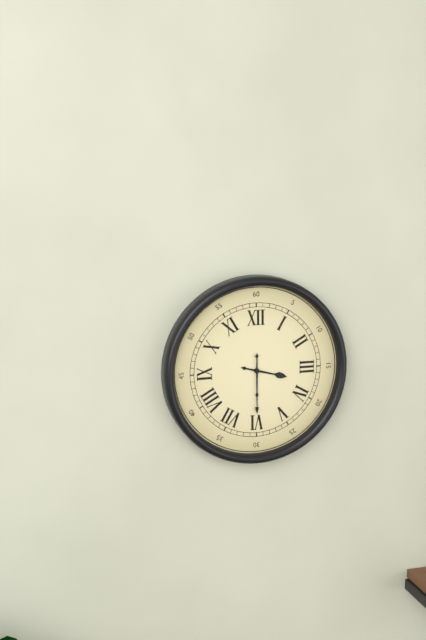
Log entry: 3:30
